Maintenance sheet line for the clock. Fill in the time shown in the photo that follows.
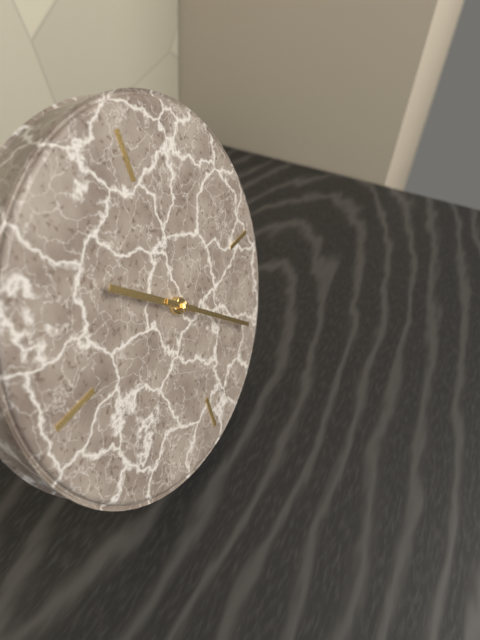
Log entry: 10:22
